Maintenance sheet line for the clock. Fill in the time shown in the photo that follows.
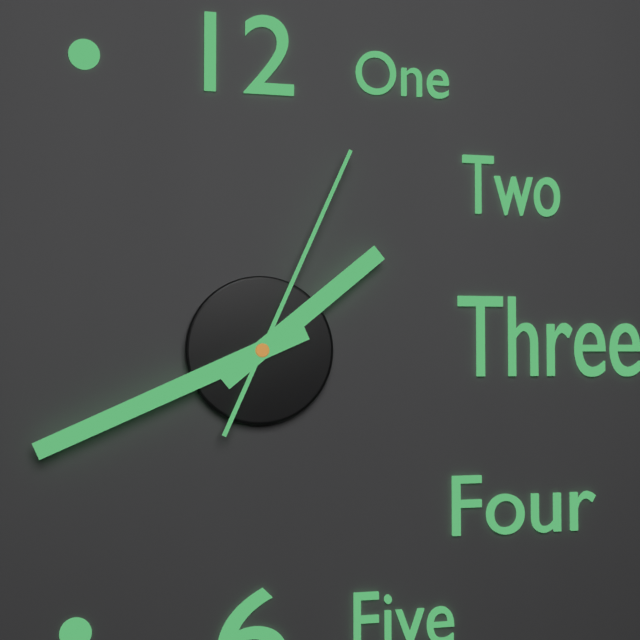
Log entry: 1:41:04
